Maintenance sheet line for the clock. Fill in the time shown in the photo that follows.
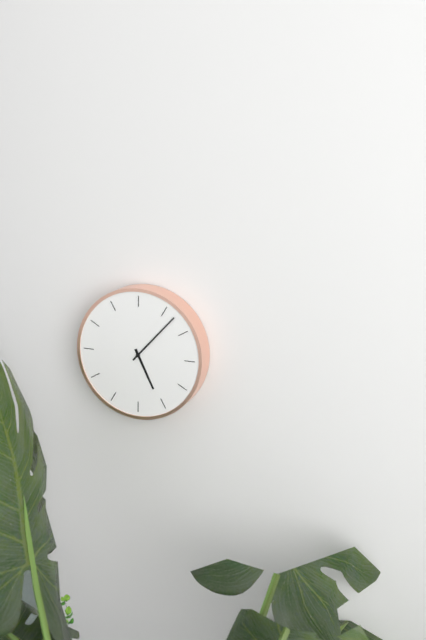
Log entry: 5:07
